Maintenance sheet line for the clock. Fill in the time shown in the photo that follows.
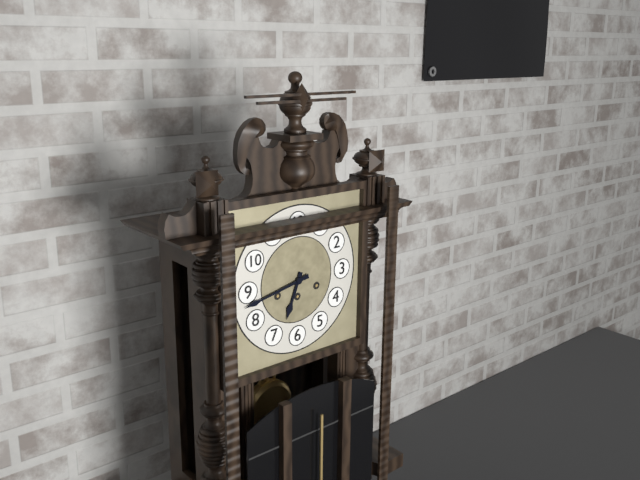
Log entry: 6:43
